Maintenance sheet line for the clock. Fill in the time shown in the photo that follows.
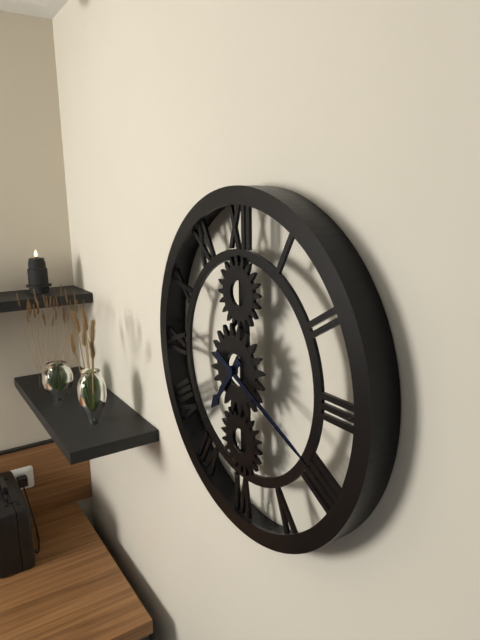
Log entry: 7:19
